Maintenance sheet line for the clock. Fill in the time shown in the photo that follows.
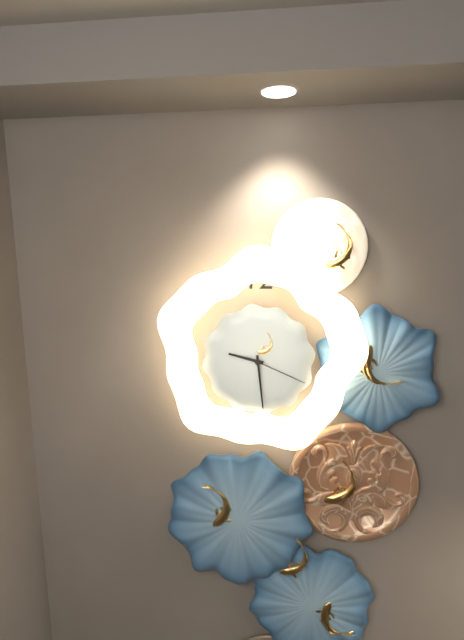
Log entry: 9:29:19
